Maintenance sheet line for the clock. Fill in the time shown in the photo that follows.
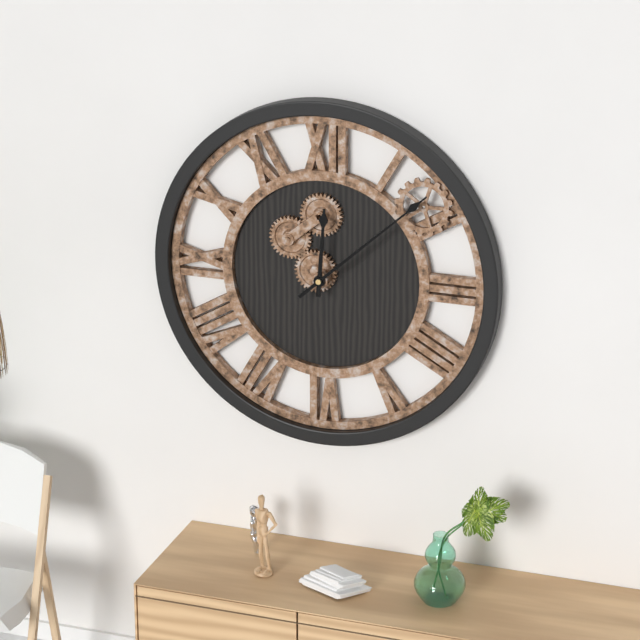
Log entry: 12:08
